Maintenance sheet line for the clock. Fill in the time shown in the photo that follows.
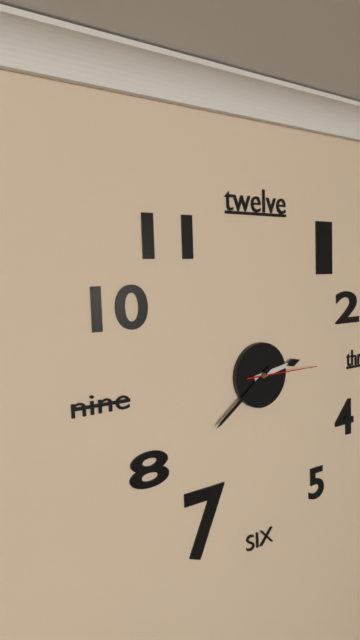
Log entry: 2:39:15
